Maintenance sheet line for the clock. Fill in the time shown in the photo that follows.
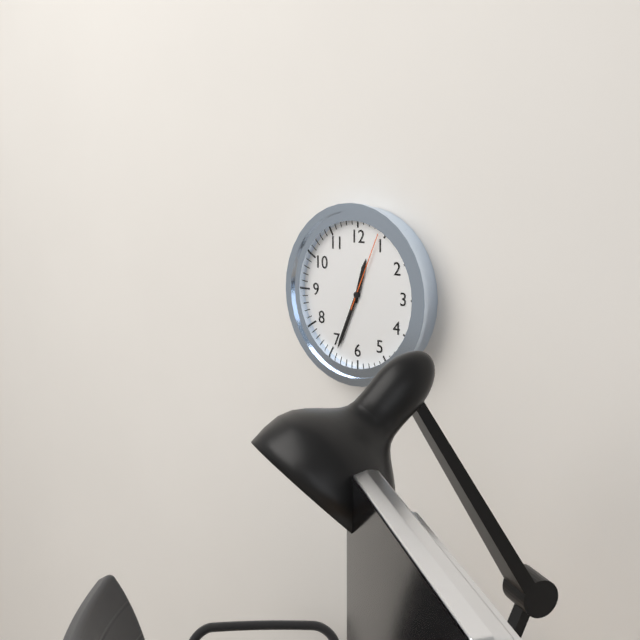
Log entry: 12:34:04
